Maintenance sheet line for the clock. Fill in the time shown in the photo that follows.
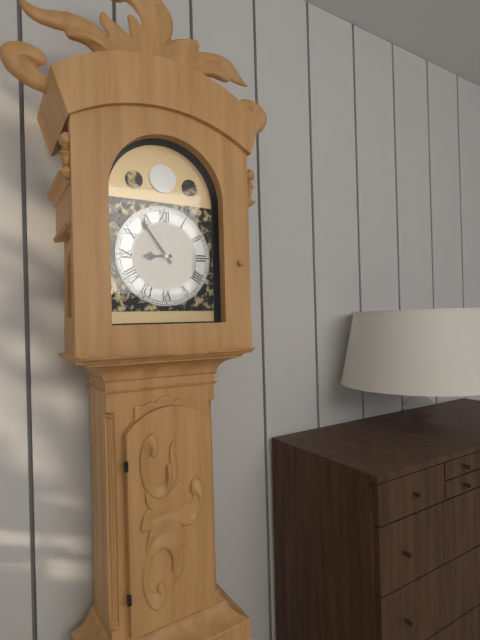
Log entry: 8:54
